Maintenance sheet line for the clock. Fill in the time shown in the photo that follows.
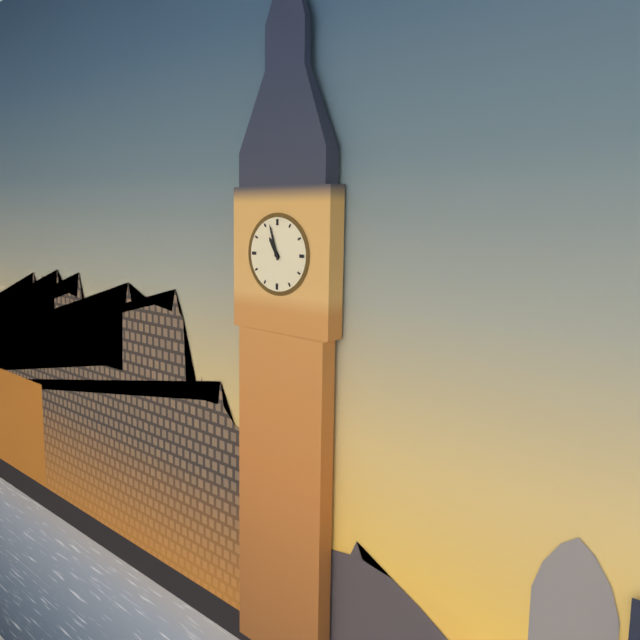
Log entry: 10:57
